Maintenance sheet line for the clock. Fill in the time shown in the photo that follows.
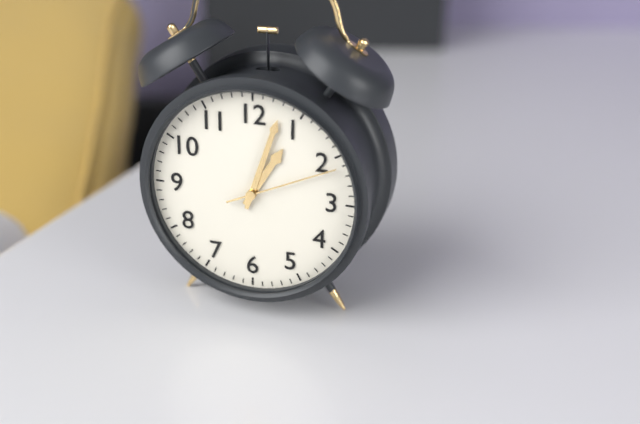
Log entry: 1:03:11
